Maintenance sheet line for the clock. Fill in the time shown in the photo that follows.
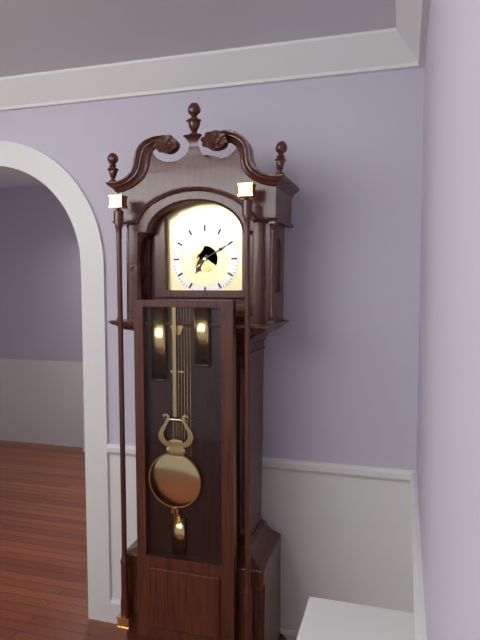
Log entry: 7:10
